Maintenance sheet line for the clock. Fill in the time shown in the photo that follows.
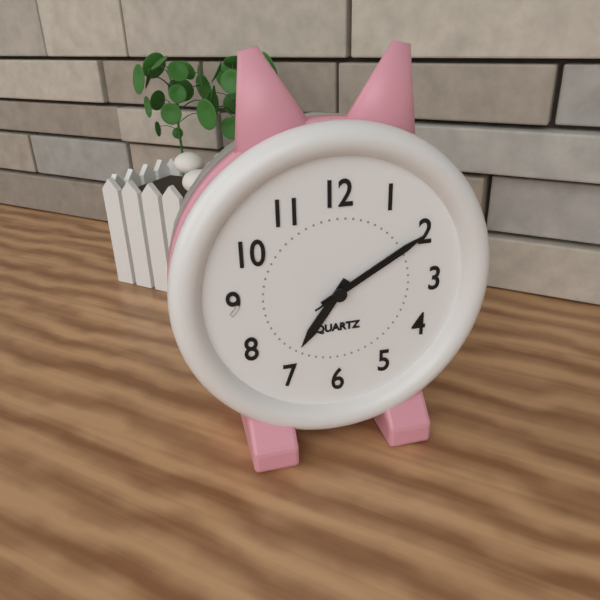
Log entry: 7:10:10
